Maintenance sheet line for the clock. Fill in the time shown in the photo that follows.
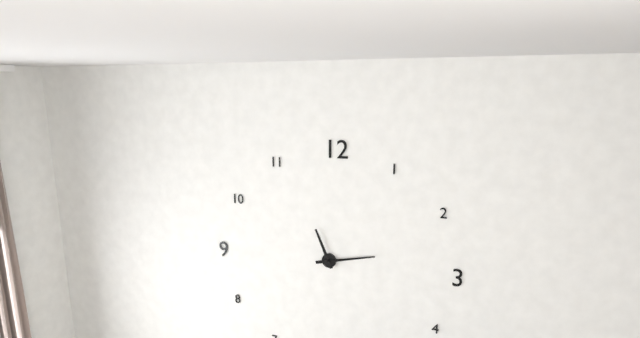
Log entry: 11:13
